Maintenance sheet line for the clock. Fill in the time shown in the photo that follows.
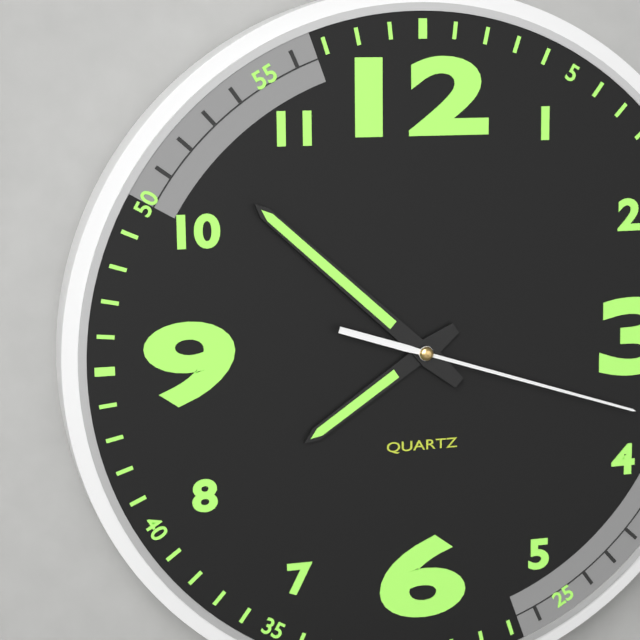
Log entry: 7:52:18
